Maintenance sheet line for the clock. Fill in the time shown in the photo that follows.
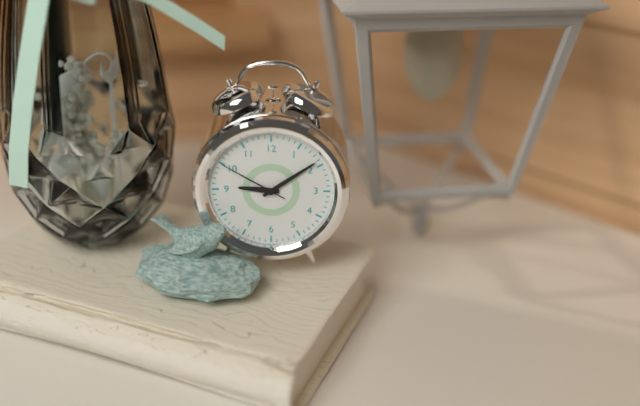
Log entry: 9:09:50
